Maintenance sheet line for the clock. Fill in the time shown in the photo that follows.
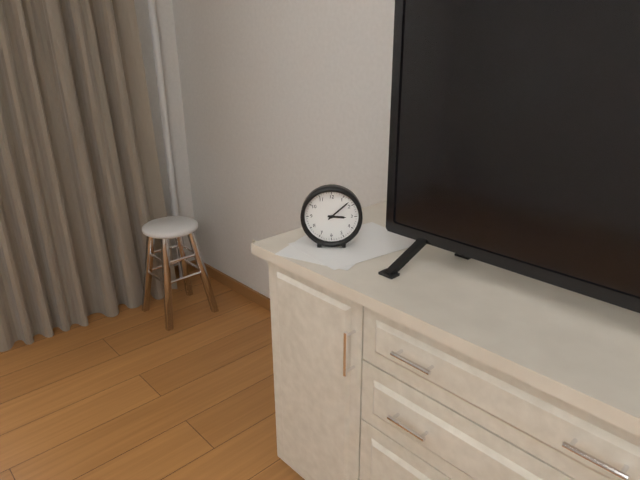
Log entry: 3:08
